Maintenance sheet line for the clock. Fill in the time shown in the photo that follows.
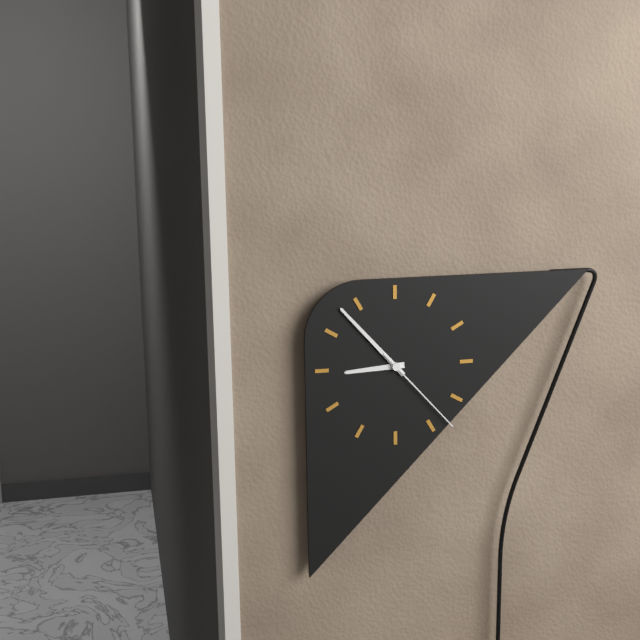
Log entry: 8:53:23
